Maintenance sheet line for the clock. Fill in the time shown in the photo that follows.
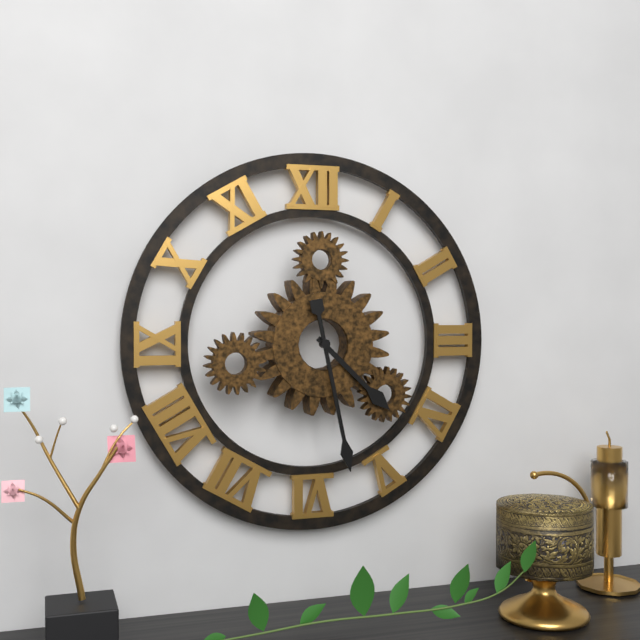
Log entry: 4:28
